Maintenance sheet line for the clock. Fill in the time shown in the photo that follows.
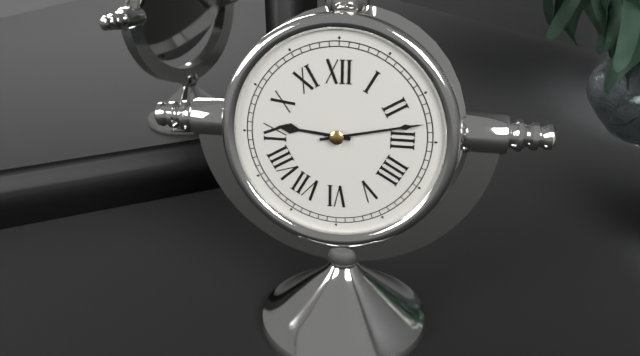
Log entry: 9:13
